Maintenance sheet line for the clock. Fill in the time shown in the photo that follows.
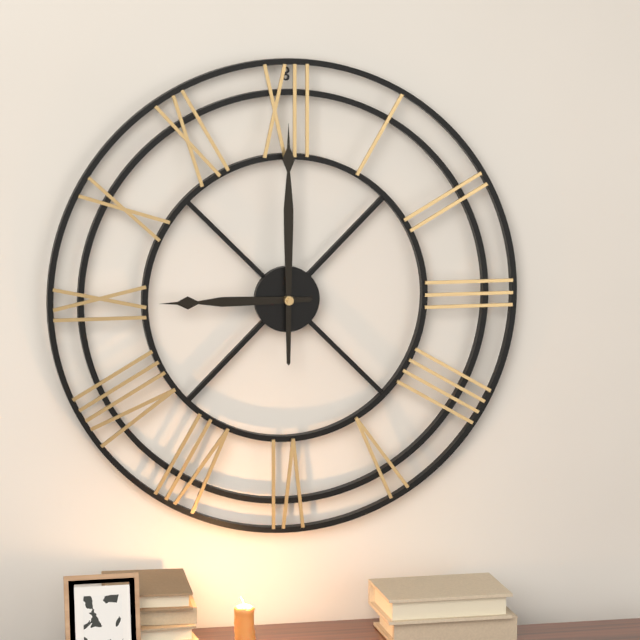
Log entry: 9:00
